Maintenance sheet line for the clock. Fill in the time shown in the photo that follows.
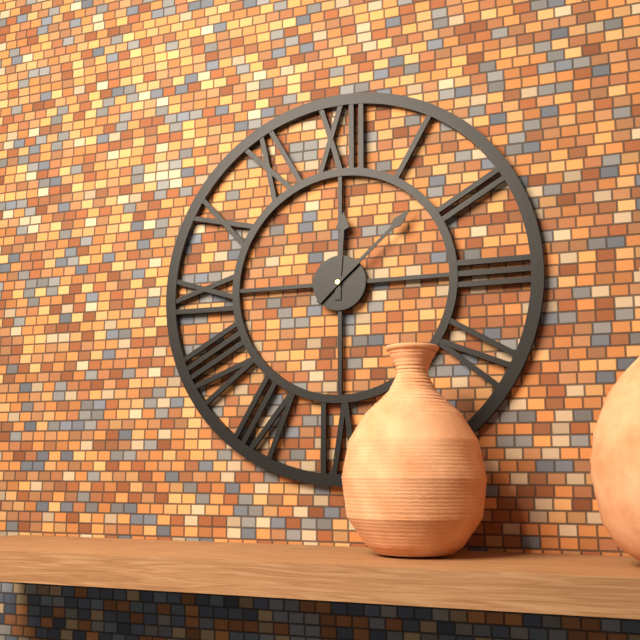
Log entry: 12:08
